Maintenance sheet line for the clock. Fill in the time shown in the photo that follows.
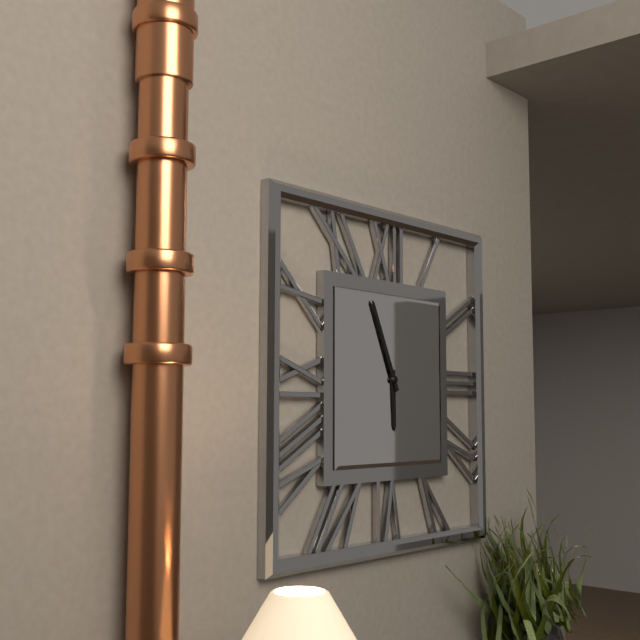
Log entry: 5:56
